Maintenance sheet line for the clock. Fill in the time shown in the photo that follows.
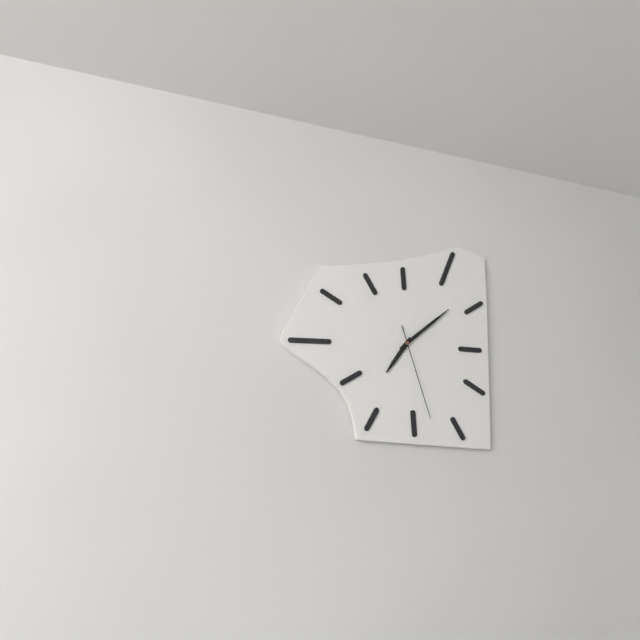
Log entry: 7:08:27
